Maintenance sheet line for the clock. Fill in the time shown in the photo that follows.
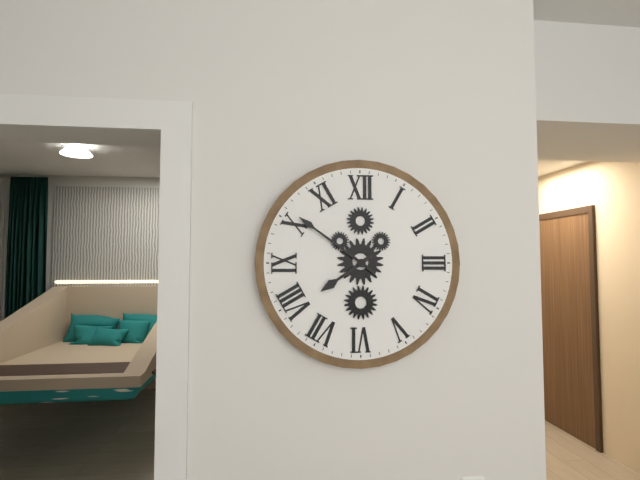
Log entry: 7:51
